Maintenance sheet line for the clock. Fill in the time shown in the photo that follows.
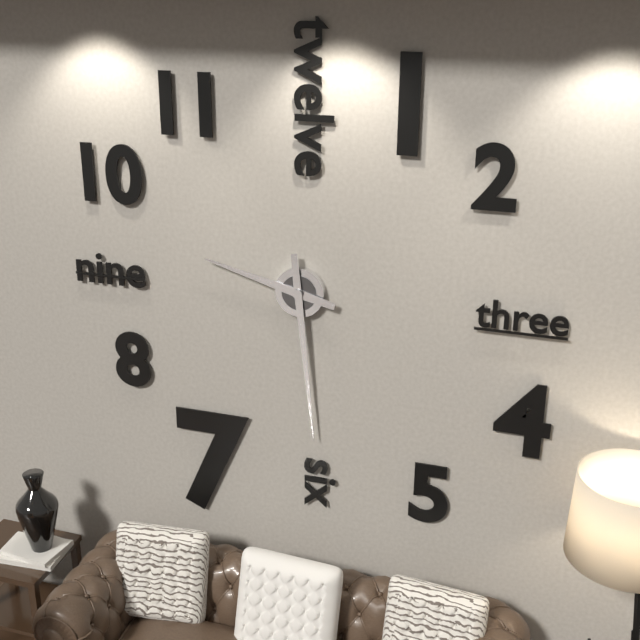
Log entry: 9:29
